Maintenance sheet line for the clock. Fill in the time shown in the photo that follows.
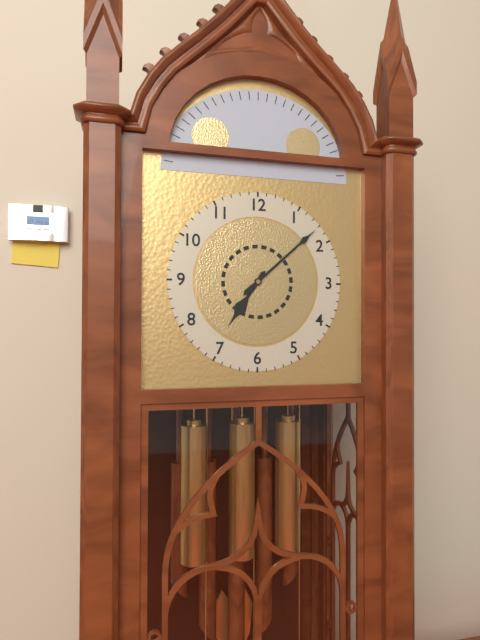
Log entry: 7:08
